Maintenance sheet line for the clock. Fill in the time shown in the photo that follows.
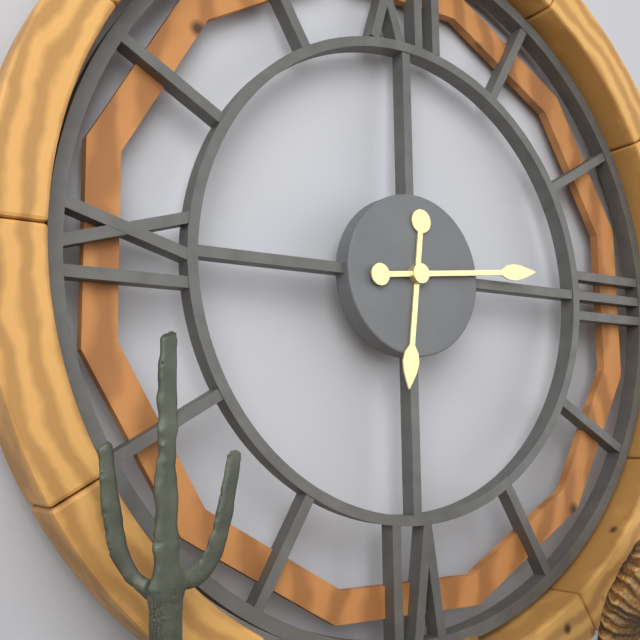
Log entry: 6:14
